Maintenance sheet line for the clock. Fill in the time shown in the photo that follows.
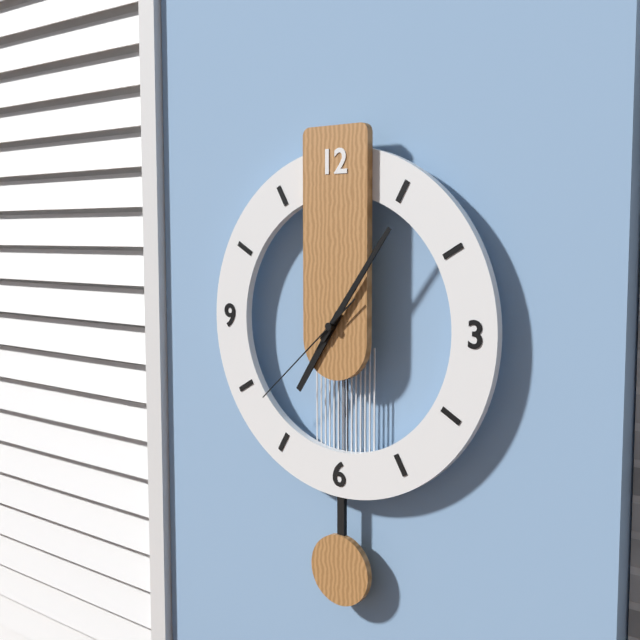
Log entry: 7:06:38
